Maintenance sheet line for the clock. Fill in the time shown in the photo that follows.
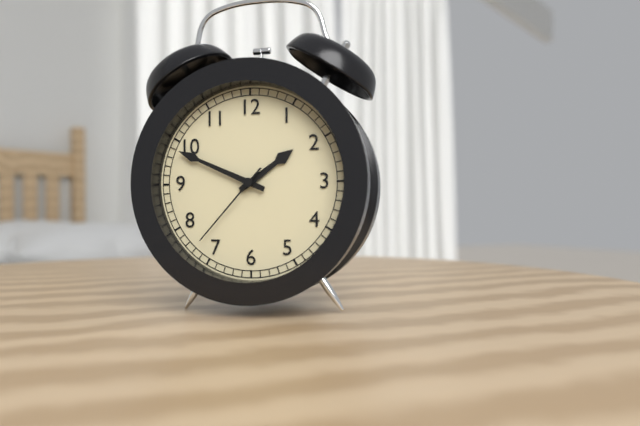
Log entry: 1:49:37
